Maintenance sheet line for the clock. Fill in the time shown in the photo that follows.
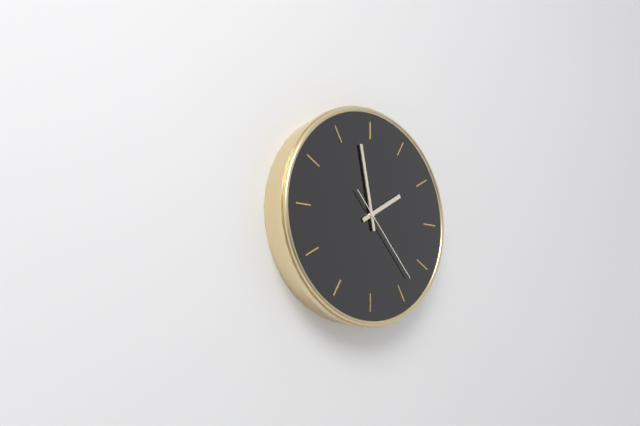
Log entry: 1:58:23
